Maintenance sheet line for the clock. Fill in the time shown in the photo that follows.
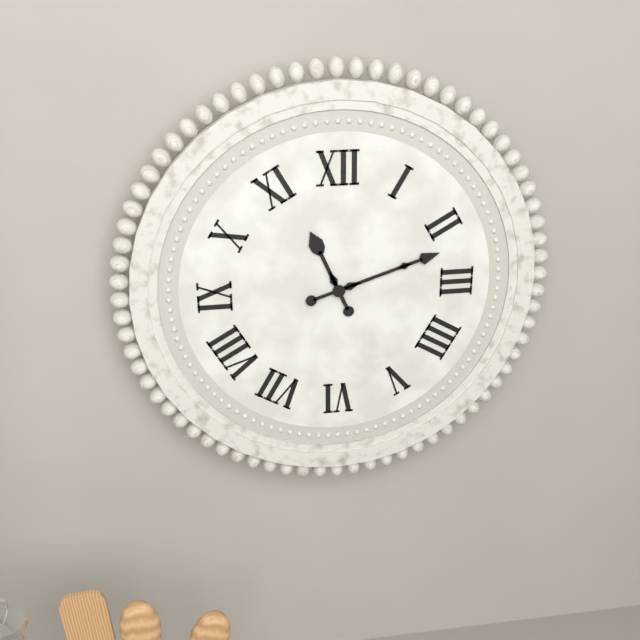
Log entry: 11:12
